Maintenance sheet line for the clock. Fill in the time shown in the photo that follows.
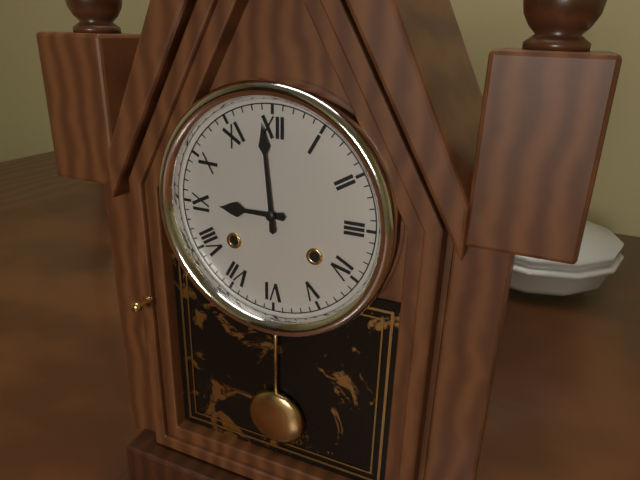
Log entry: 8:59
